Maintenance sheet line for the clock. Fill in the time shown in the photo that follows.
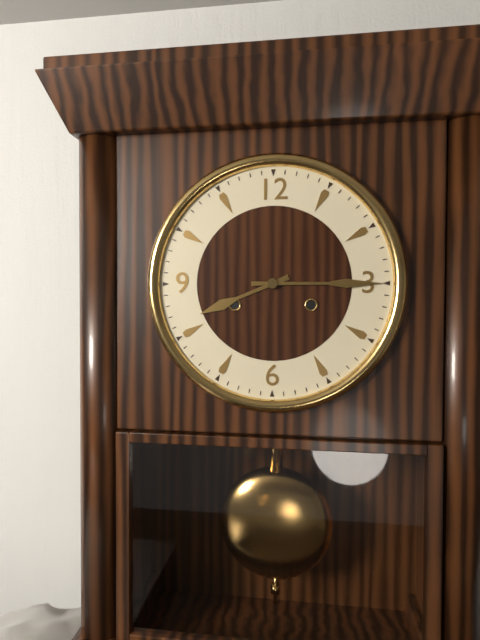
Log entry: 8:15
